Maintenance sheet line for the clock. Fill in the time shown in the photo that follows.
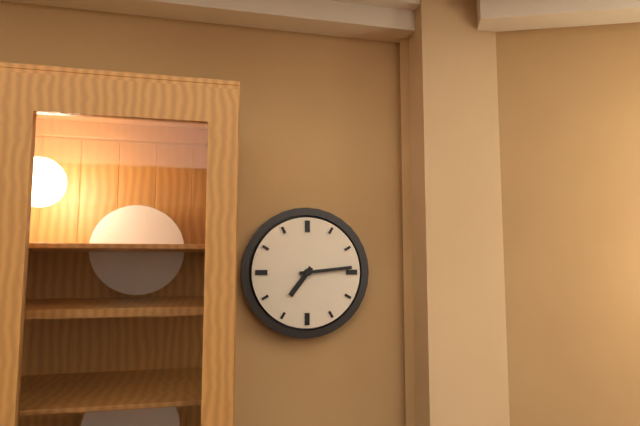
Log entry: 7:14
